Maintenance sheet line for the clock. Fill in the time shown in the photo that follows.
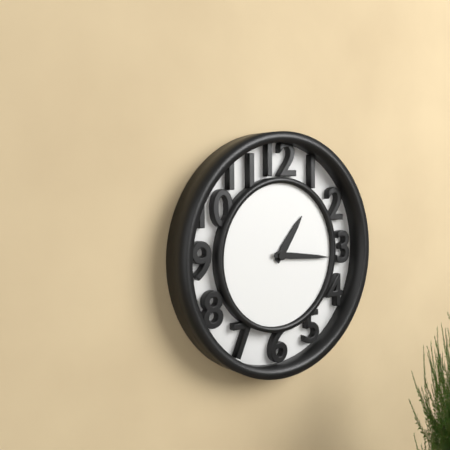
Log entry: 1:16
